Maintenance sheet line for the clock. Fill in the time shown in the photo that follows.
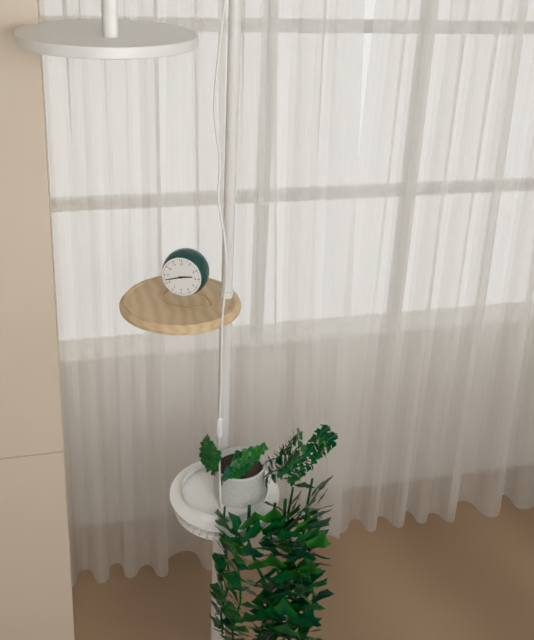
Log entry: 2:42
